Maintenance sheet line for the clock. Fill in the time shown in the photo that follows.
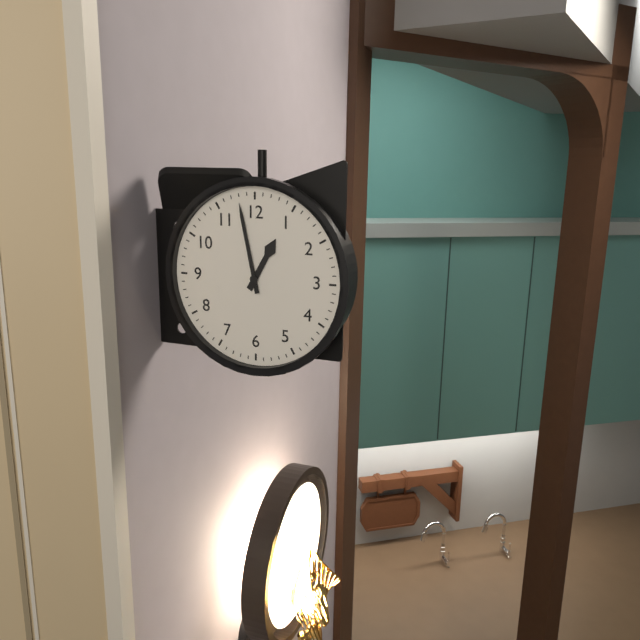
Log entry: 12:58
